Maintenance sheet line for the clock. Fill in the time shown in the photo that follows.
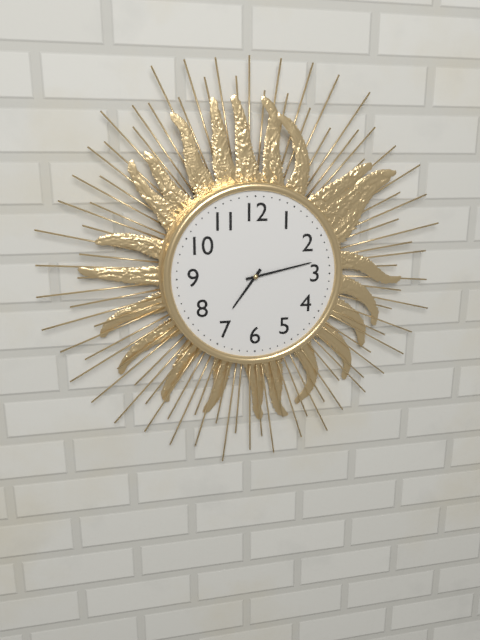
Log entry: 7:13
